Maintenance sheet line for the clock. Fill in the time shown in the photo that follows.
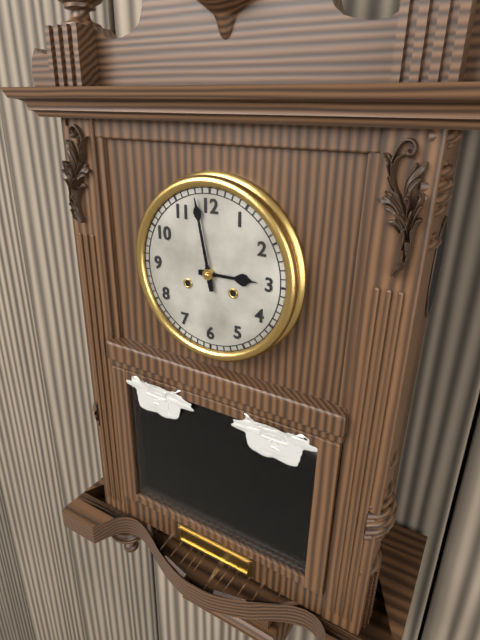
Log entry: 2:58
